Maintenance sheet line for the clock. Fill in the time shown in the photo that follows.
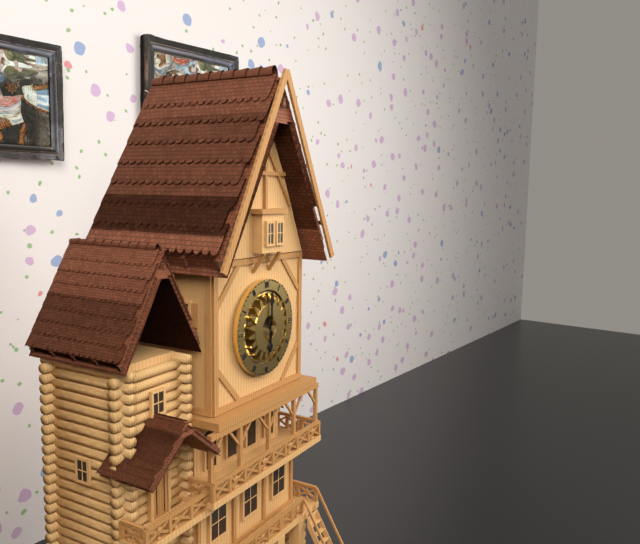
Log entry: 6:00
